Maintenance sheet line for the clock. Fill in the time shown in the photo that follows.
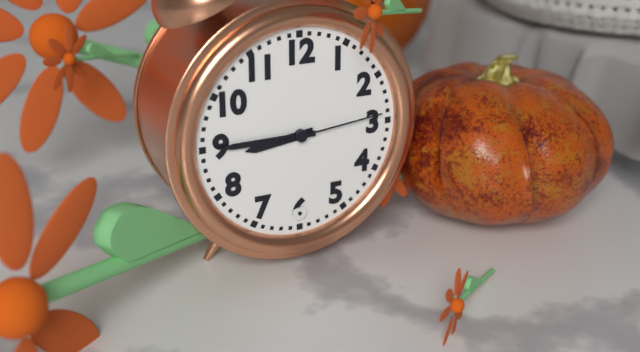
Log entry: 8:45:14
